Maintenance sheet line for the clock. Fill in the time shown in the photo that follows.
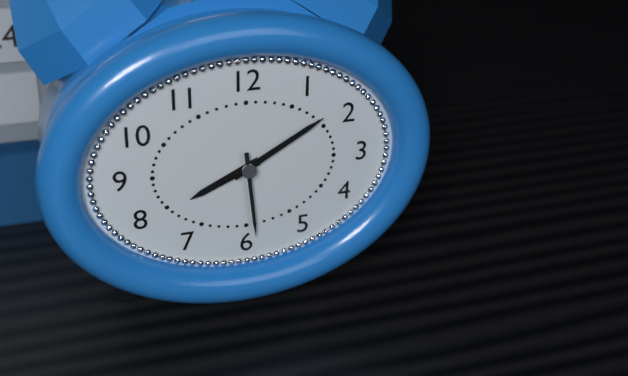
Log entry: 8:10:29
